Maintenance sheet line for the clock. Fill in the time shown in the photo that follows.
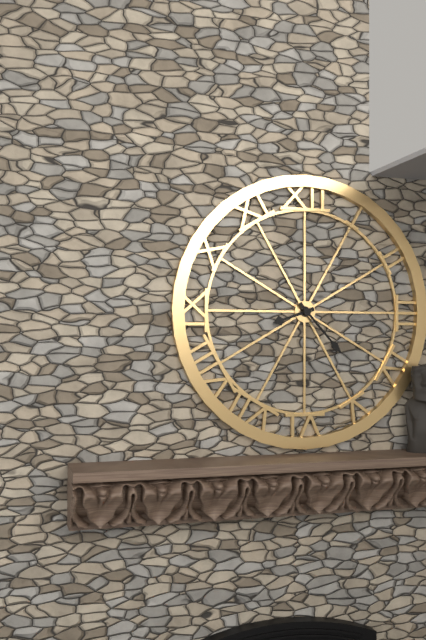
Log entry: 8:23
